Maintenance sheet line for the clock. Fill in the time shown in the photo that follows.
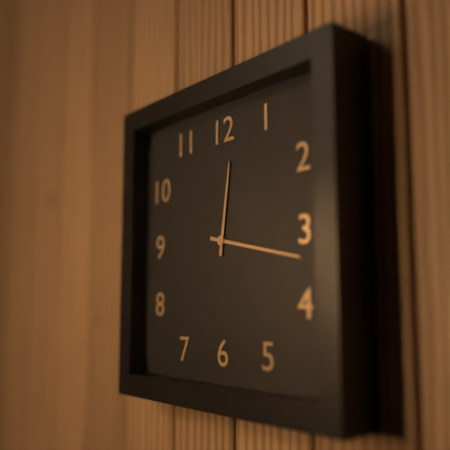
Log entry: 12:17
